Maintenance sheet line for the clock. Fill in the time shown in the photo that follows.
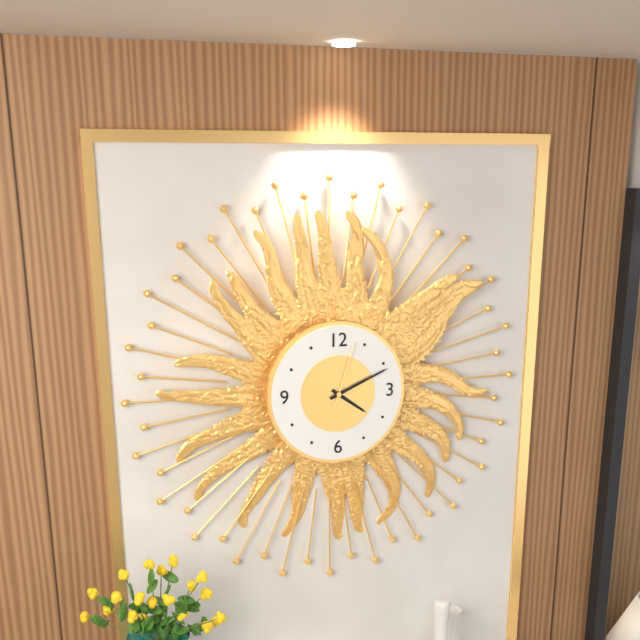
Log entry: 4:11:03
